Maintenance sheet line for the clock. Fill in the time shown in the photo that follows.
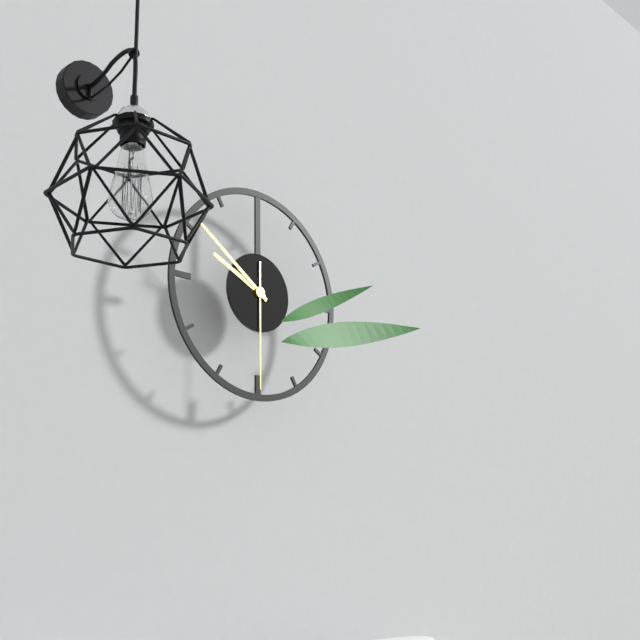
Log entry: 9:51:30
